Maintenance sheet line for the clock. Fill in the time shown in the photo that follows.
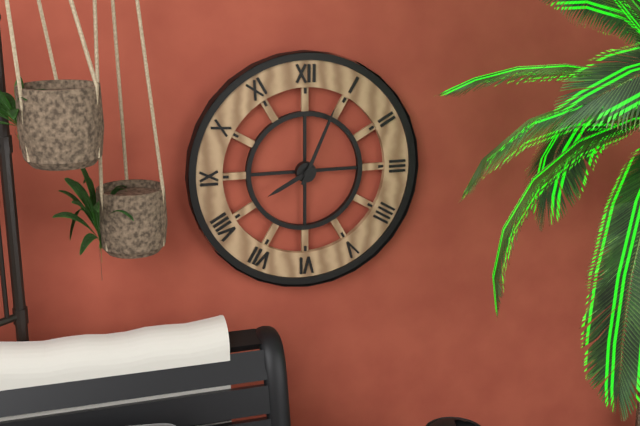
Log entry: 8:04
